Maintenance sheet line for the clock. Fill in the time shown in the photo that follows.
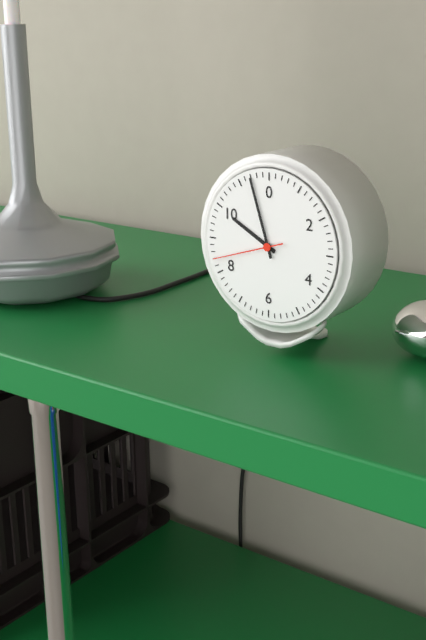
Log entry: 9:57:42
